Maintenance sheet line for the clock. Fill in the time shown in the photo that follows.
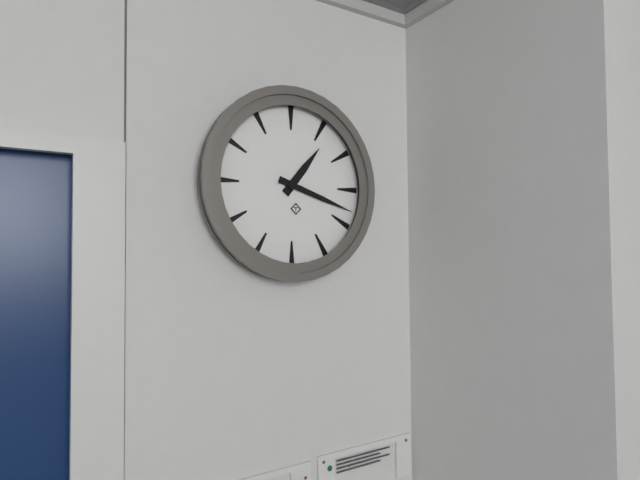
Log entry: 1:18
